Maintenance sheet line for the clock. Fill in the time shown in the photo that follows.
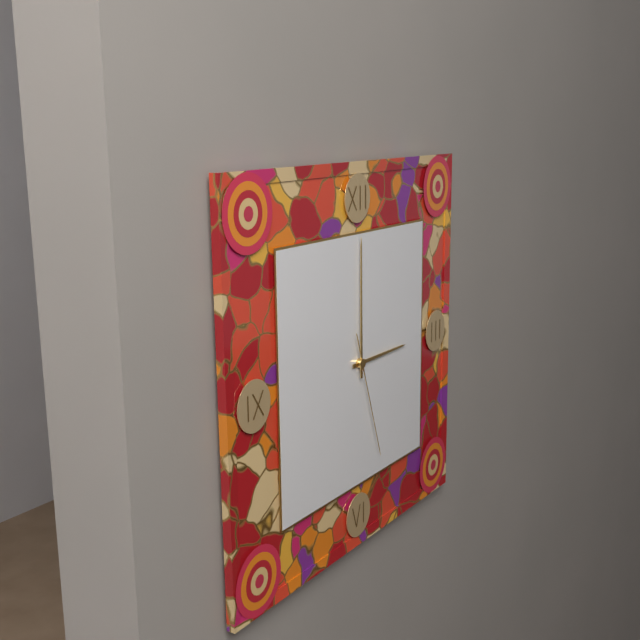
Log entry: 3:00:27
